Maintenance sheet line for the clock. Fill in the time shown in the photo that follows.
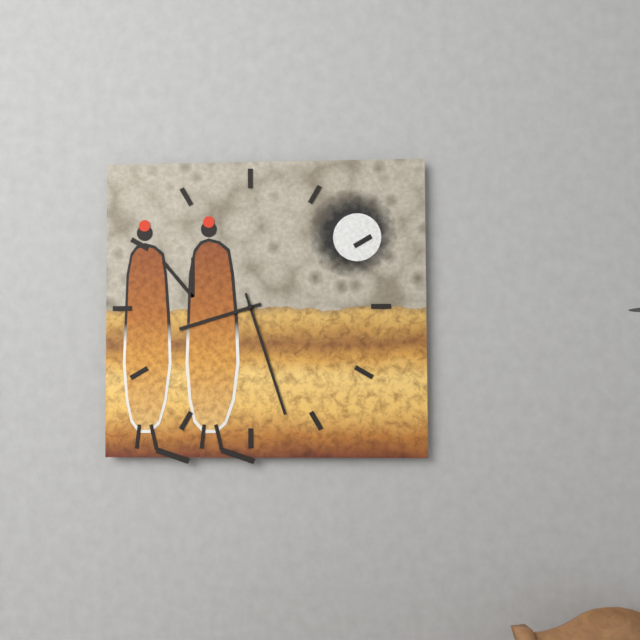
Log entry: 8:27
